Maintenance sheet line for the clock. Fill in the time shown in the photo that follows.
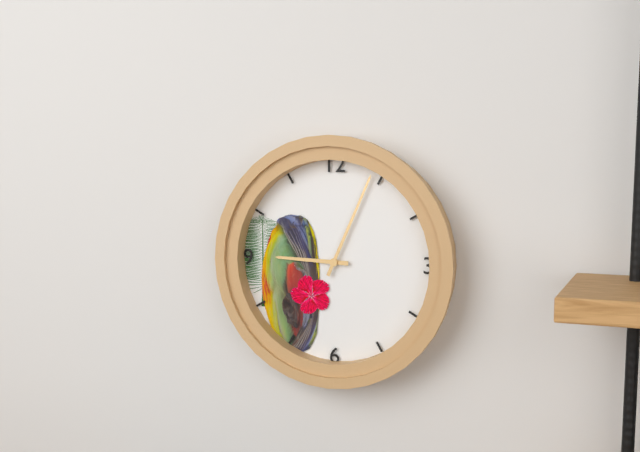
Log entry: 9:04
